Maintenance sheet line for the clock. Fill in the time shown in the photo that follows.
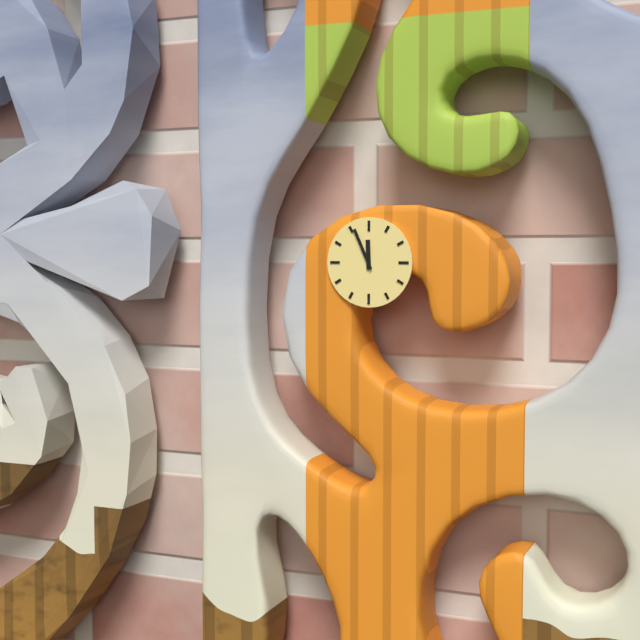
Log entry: 11:56
